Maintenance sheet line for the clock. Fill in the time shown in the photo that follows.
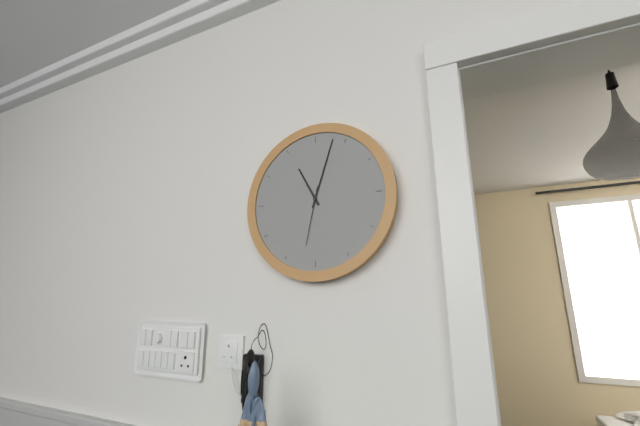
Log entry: 11:03:32
